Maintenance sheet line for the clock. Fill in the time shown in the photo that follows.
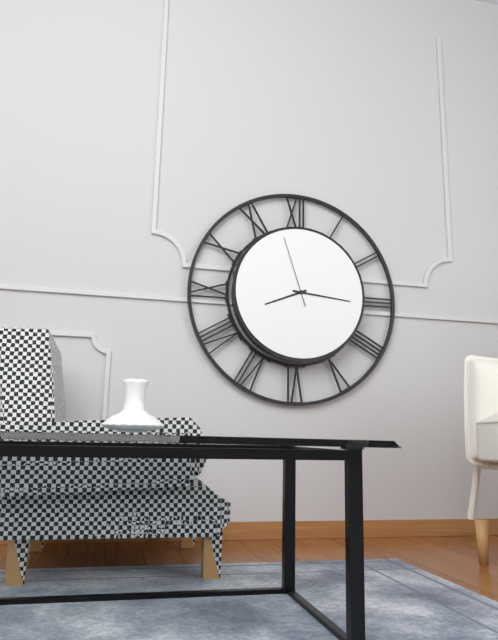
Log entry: 8:16:57
